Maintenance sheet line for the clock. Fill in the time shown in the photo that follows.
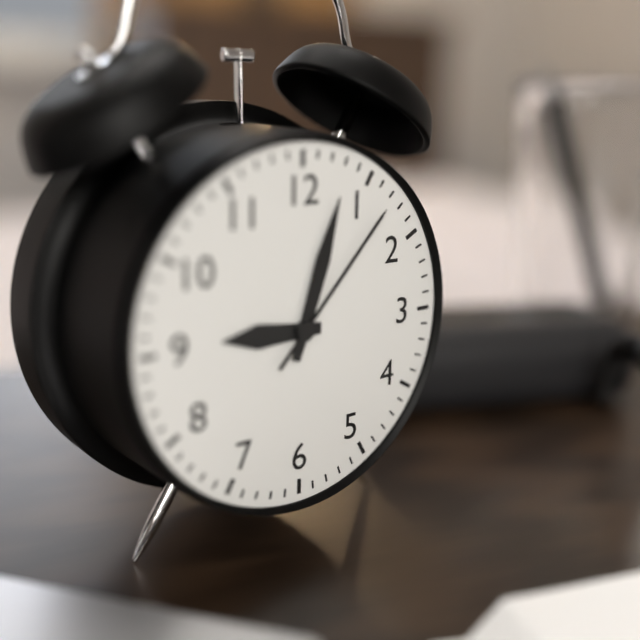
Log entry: 9:03:07
